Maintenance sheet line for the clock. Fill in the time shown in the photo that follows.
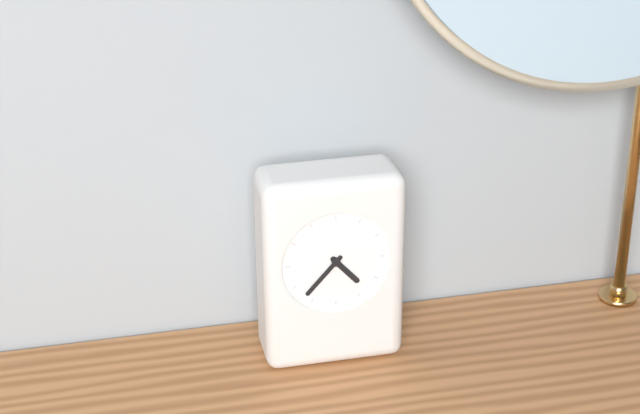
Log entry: 4:37
